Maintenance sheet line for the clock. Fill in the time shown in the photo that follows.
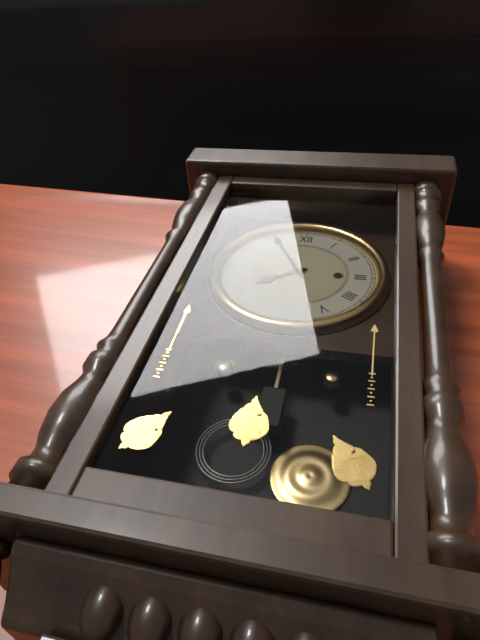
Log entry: 7:55
